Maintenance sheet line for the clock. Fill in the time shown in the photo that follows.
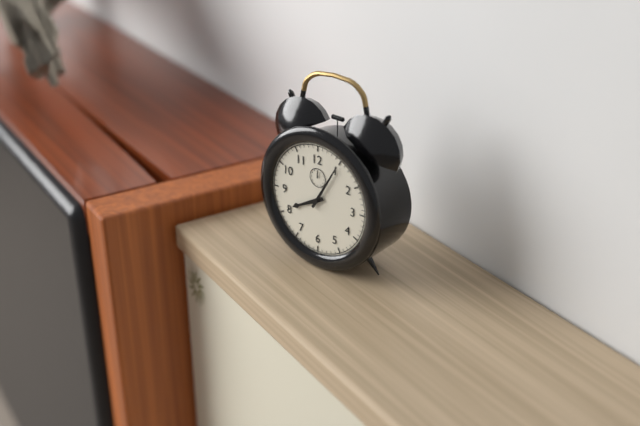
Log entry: 8:05
